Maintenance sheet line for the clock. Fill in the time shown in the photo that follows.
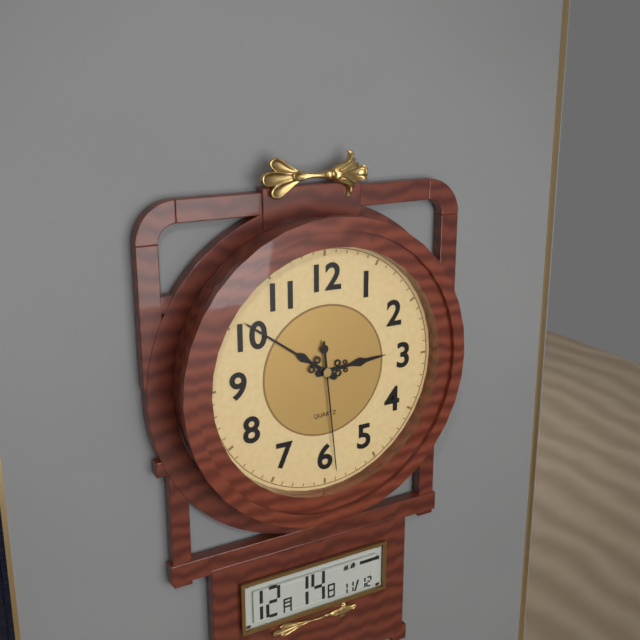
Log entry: 2:51:29
